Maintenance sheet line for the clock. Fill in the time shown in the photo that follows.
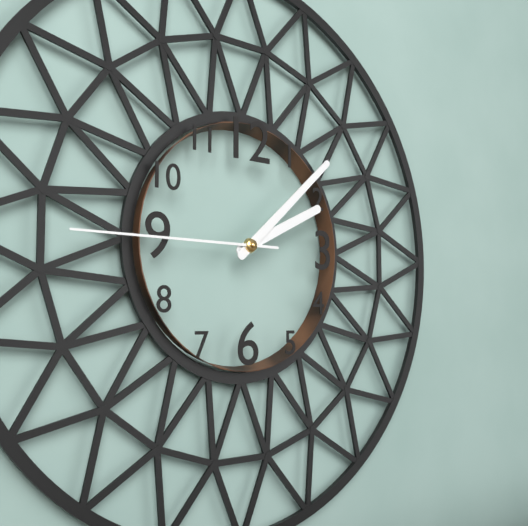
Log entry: 2:08:45
